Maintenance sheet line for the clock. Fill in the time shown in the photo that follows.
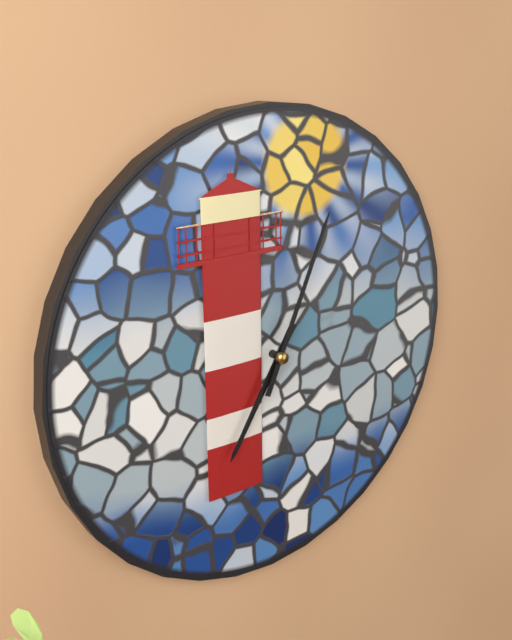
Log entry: 7:04
